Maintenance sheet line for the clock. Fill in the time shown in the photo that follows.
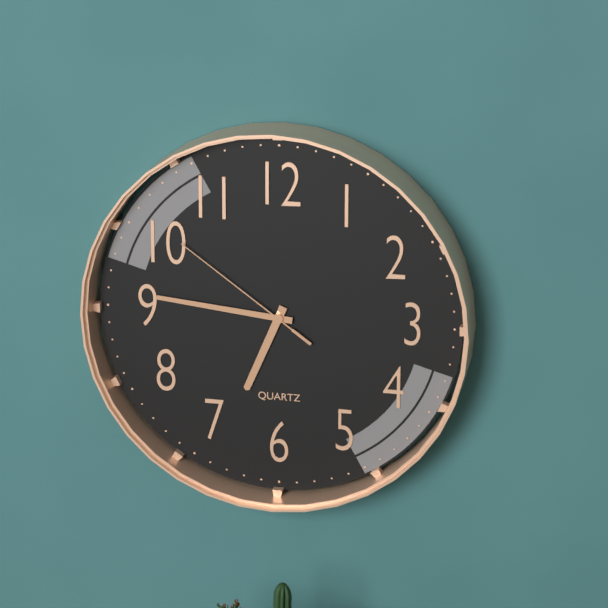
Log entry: 6:46:51
